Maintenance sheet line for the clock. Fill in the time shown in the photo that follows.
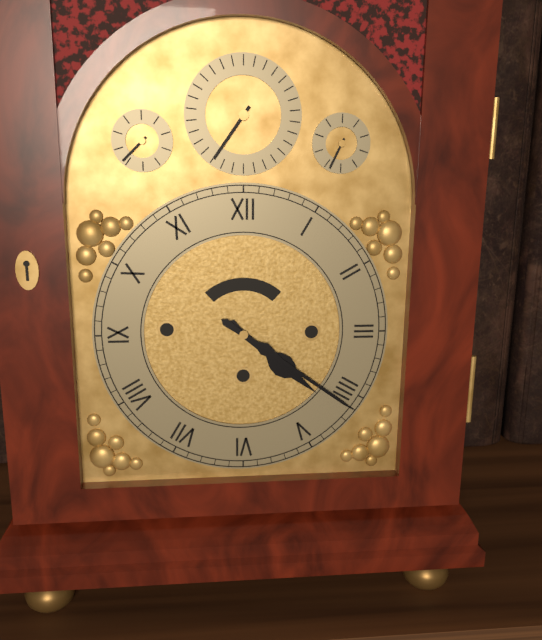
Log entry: 4:21
